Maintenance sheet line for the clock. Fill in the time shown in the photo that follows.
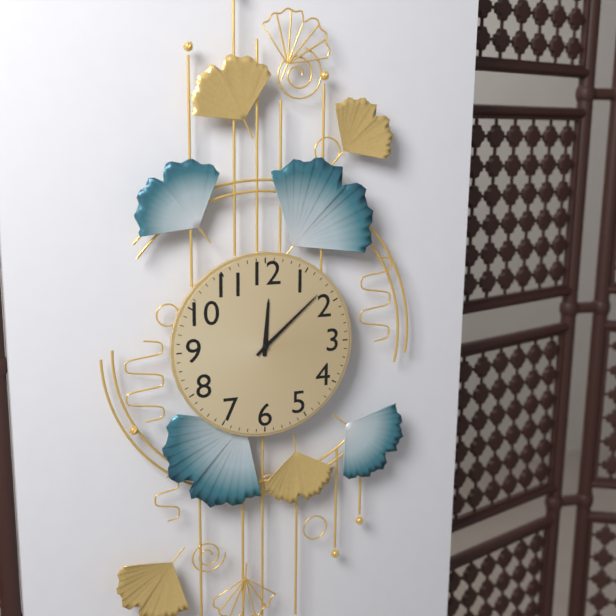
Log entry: 12:08
